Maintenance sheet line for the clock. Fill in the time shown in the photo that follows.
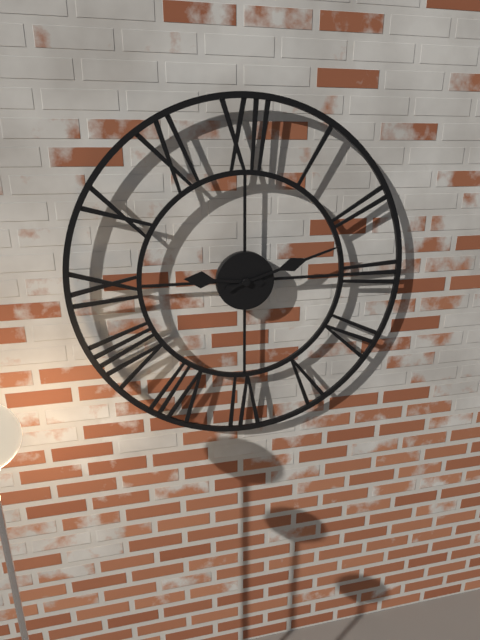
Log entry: 9:12
